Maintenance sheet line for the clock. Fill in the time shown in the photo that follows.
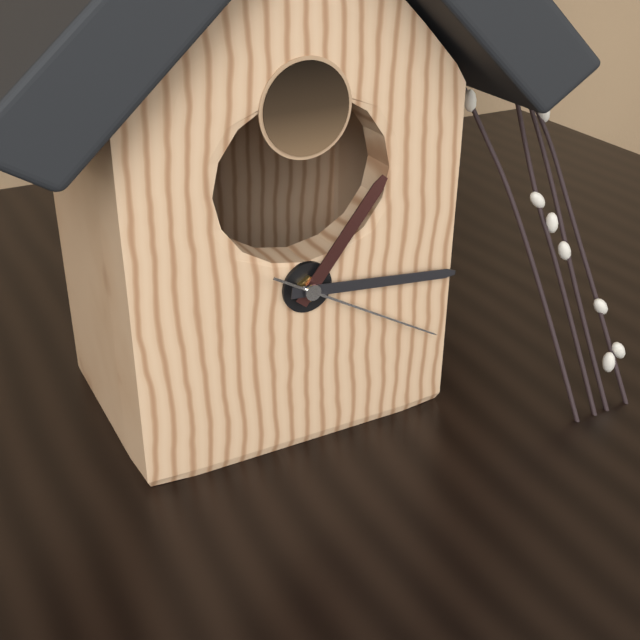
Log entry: 1:16:20
